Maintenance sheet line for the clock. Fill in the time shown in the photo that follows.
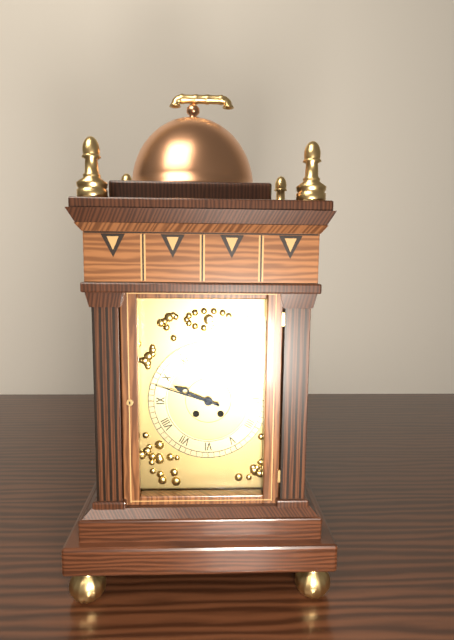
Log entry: 9:48
